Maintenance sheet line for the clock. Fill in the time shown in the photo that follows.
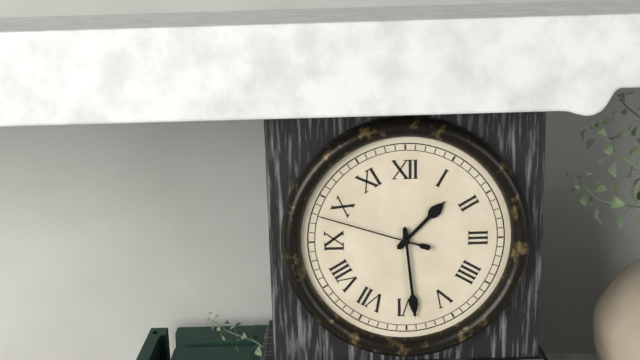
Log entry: 1:29:48
